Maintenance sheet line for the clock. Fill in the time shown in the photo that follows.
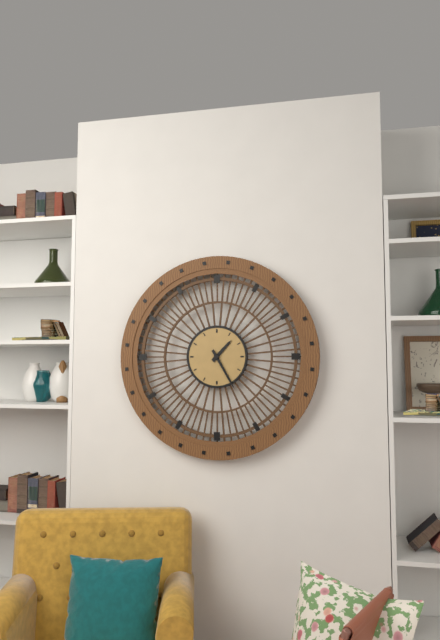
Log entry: 1:25
